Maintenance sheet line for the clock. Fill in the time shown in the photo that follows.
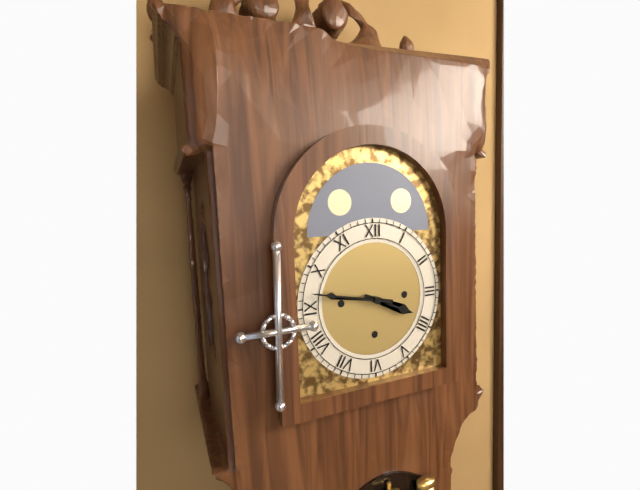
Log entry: 3:47
